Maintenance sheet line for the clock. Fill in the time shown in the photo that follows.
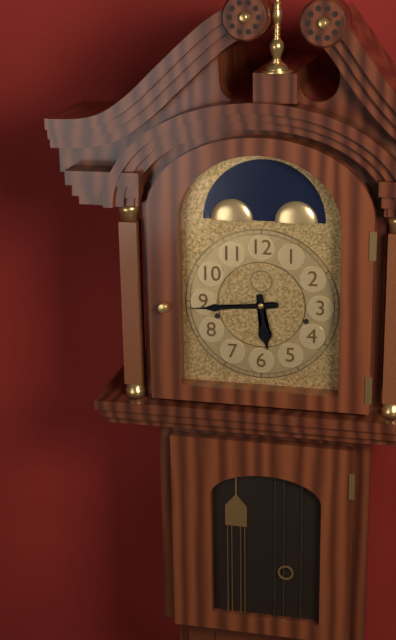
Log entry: 5:44
